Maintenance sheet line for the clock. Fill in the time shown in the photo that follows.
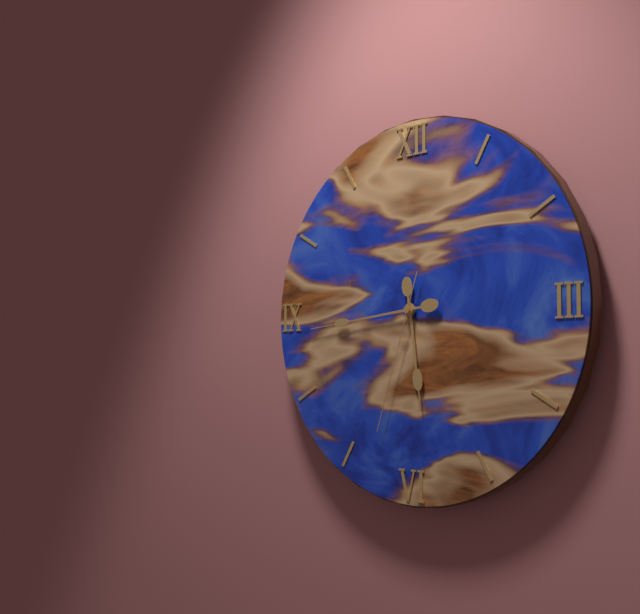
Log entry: 5:44:33
